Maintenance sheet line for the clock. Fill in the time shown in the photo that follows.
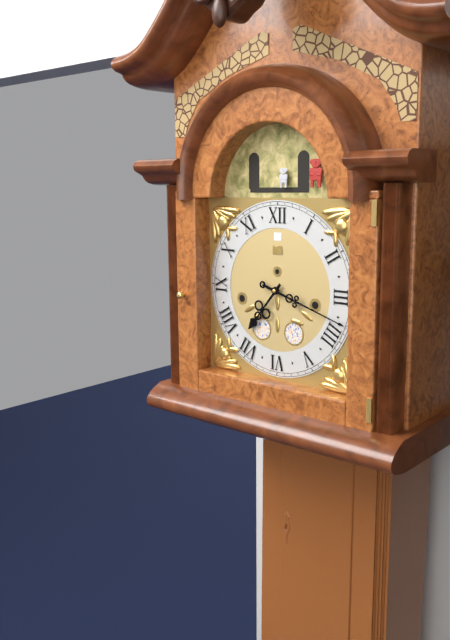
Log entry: 7:18
